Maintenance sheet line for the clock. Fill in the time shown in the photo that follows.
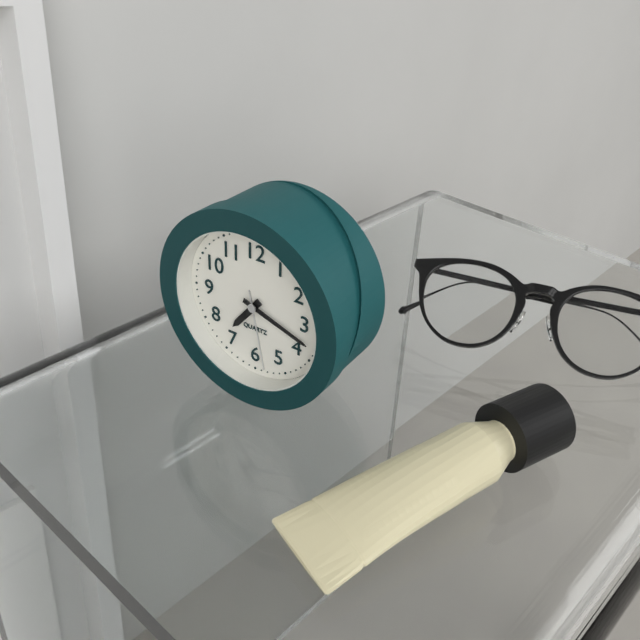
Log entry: 7:18:28
